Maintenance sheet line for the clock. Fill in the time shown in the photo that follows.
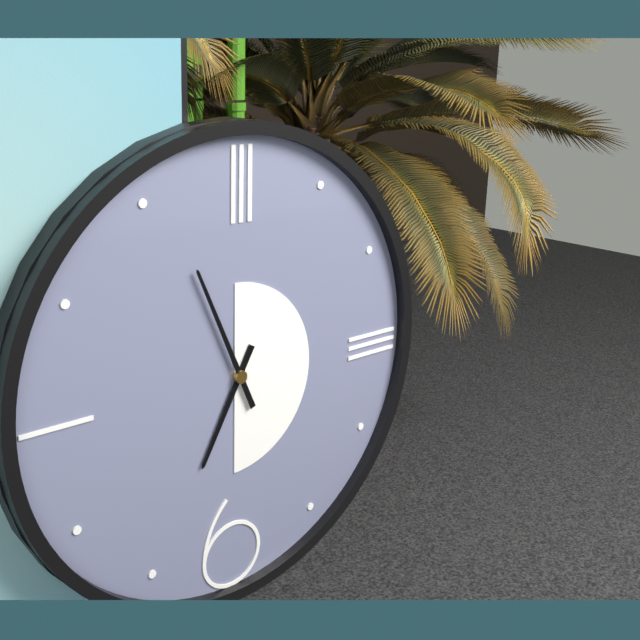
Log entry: 6:56
